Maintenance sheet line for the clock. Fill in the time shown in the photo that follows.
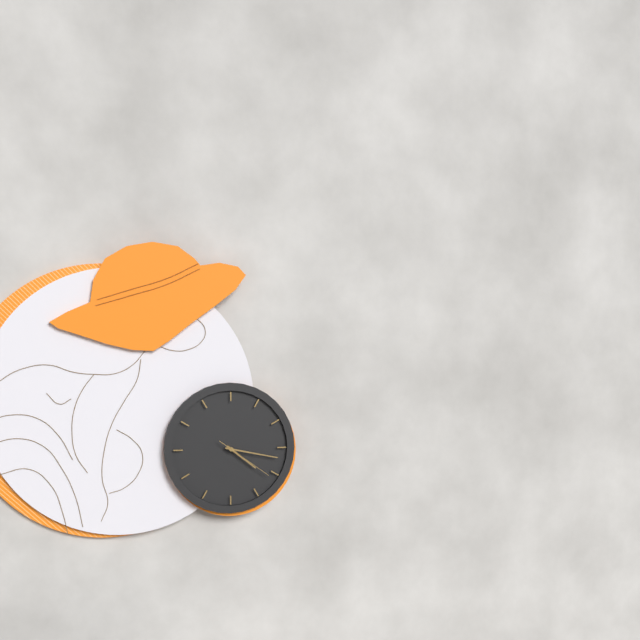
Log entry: 4:17:21
